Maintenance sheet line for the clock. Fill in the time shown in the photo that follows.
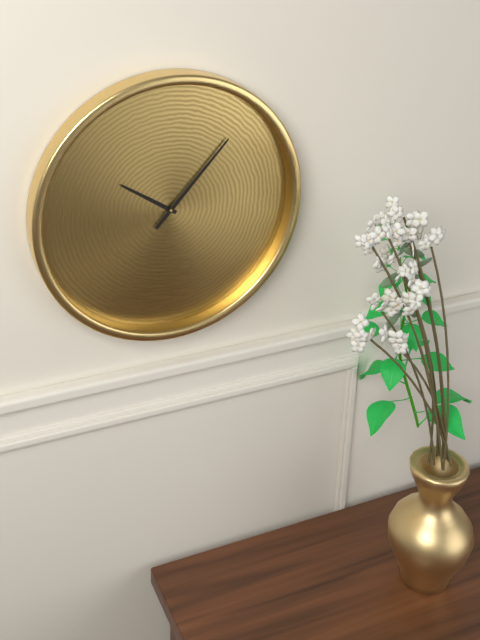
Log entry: 10:07
